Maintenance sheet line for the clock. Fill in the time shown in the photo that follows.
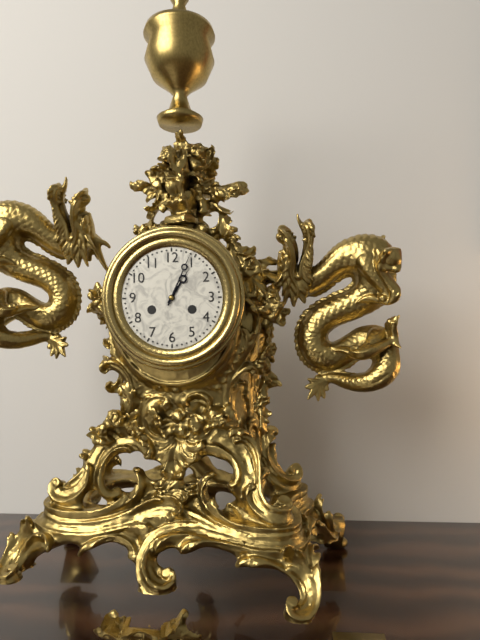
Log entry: 1:04
